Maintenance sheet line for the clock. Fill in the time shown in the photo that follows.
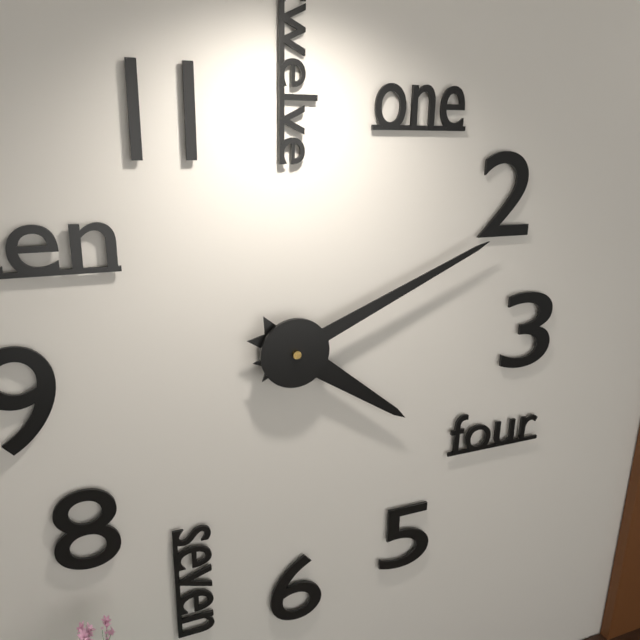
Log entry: 4:11
